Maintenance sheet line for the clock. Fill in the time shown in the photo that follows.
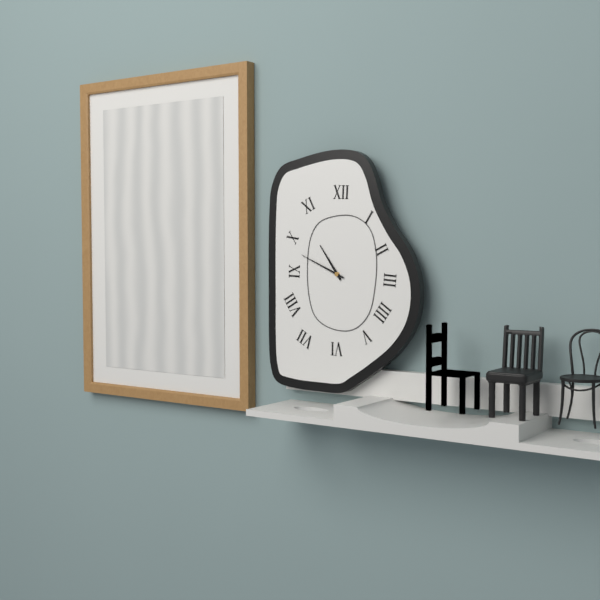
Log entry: 10:49
